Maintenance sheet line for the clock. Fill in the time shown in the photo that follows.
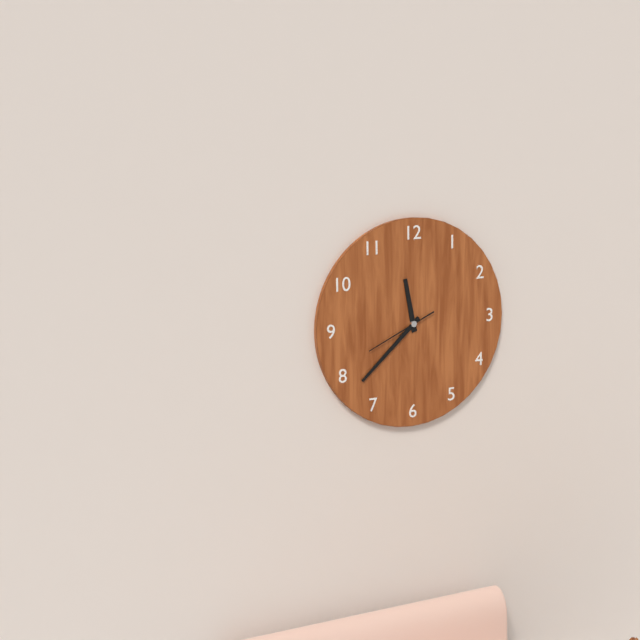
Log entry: 11:38:41
